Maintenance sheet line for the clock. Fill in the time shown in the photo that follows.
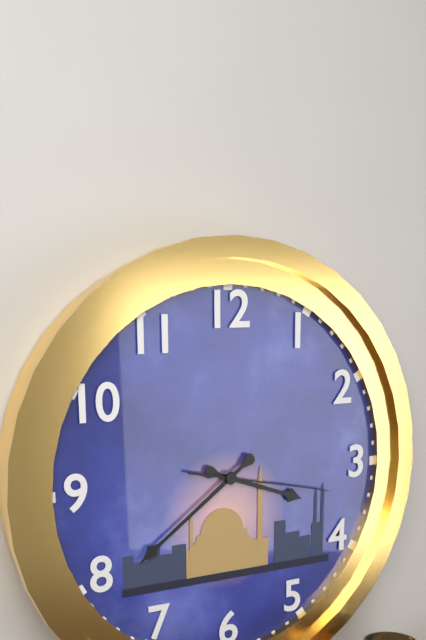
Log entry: 3:39:17
